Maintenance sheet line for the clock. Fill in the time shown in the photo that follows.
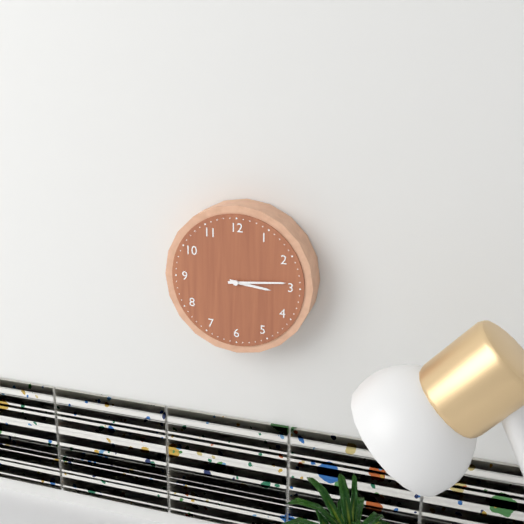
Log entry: 3:14
